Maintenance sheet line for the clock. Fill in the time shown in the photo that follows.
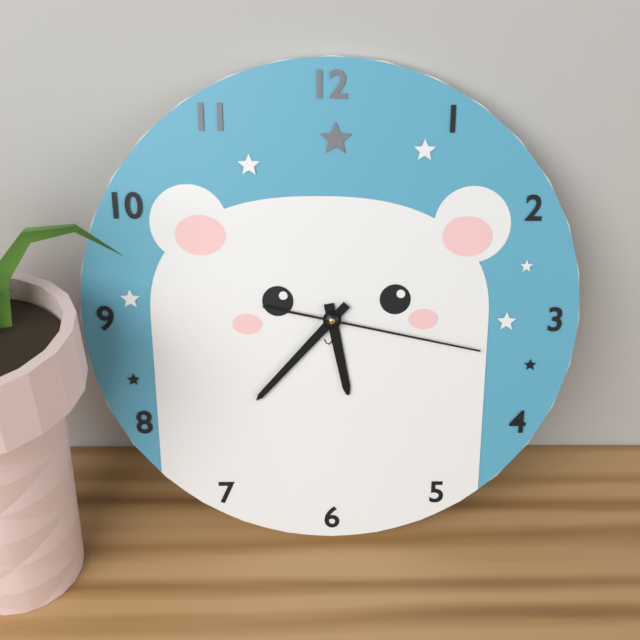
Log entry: 5:37:17
